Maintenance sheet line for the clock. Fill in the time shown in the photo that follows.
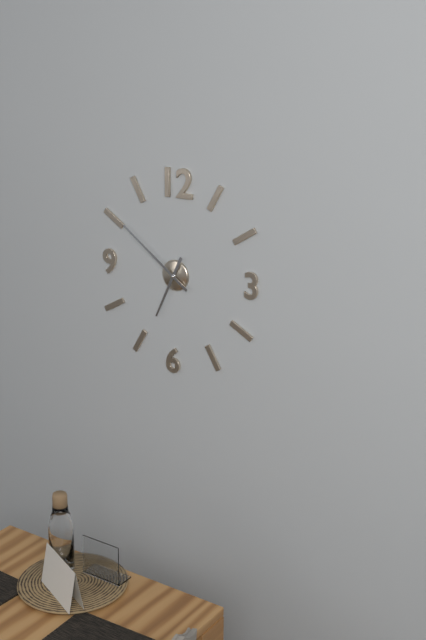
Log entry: 6:51
